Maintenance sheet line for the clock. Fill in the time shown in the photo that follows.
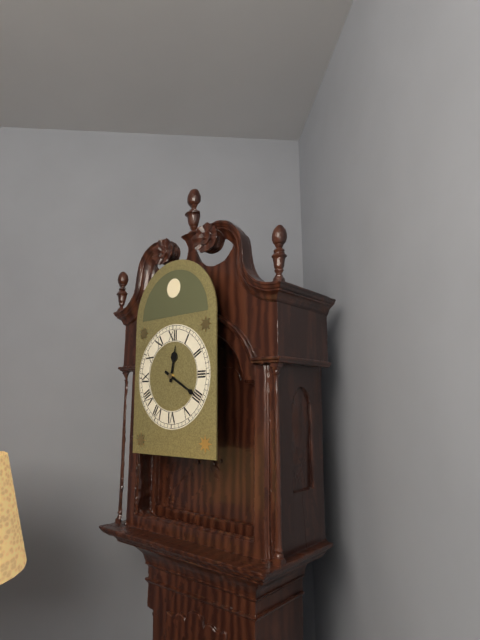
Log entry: 12:20
